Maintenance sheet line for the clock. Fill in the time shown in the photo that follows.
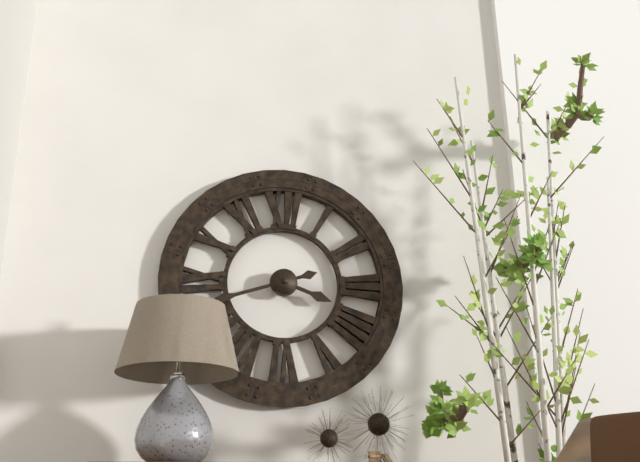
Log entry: 3:42
